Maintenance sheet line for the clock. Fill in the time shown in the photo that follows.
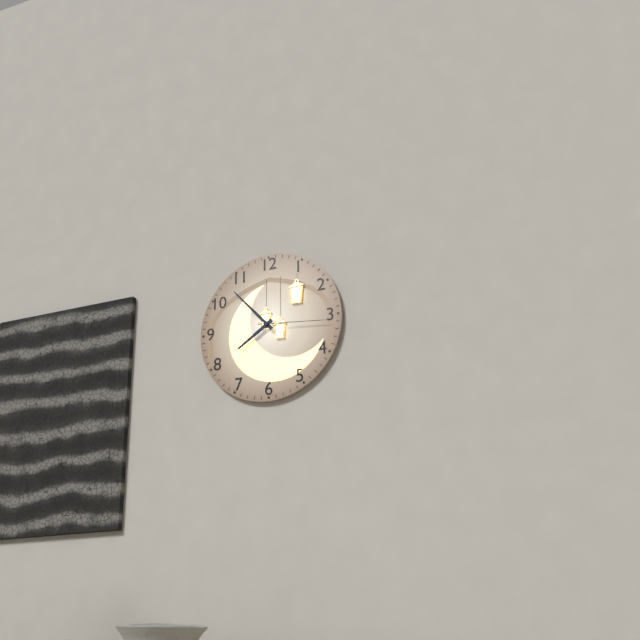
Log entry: 7:53:16
